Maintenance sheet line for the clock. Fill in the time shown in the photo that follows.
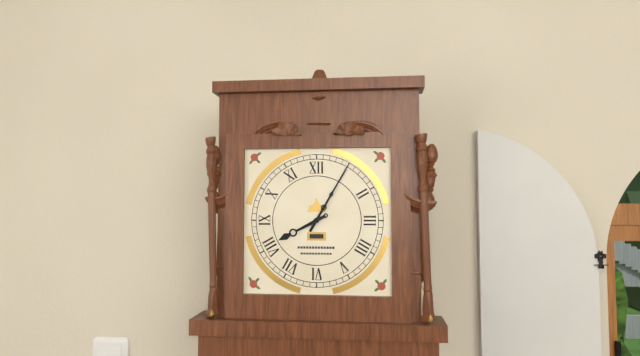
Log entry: 8:05
